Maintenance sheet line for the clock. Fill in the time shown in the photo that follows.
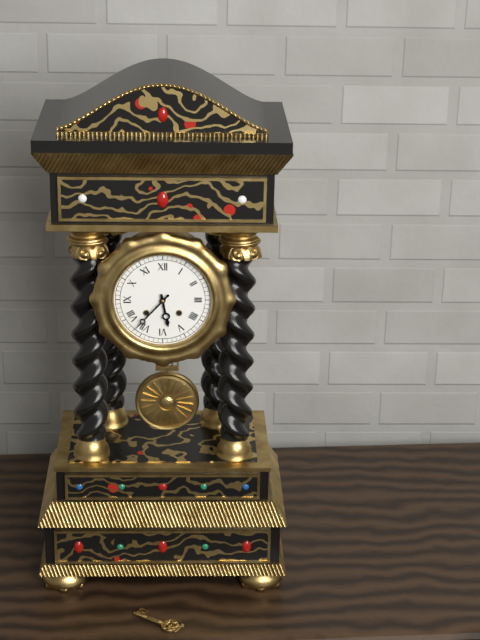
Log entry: 5:37
